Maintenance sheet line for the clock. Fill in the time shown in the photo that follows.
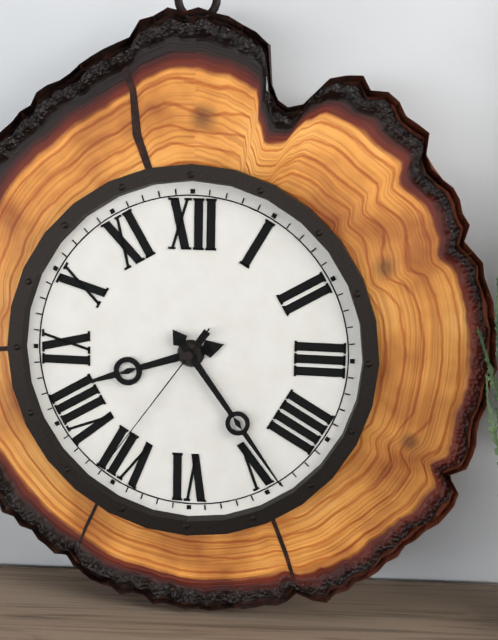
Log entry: 8:24:36
